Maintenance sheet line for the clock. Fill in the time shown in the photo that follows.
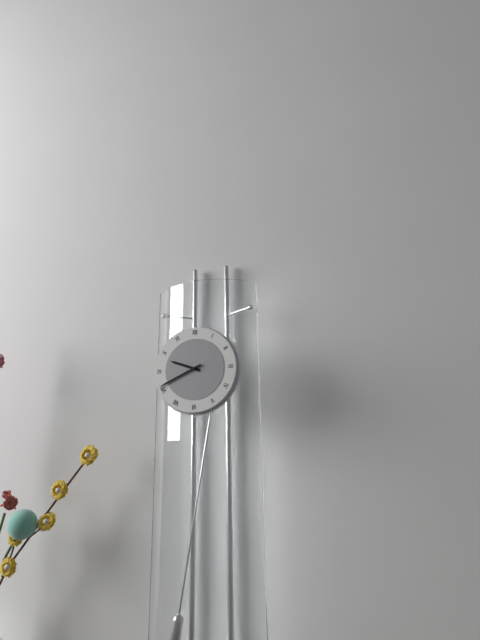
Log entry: 9:41
